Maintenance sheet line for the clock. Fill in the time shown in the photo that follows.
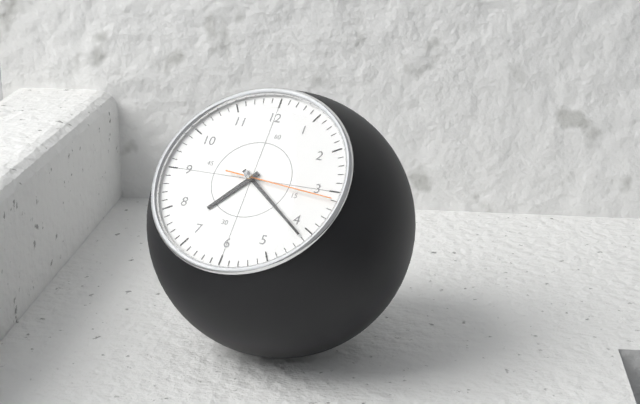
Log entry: 7:21:16
